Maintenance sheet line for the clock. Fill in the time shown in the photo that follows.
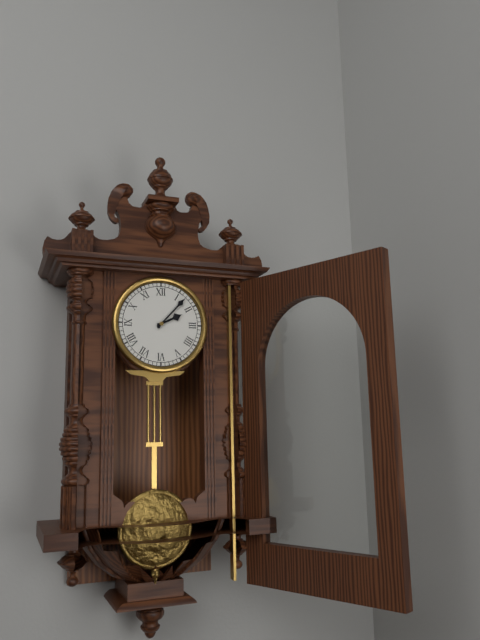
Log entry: 2:07
